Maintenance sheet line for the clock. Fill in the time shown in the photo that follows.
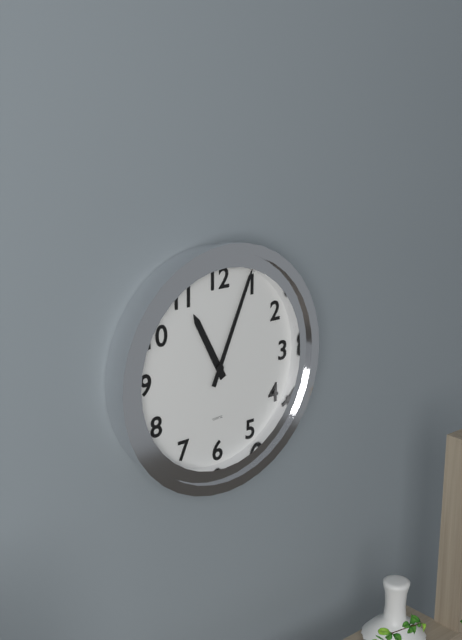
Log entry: 11:04
